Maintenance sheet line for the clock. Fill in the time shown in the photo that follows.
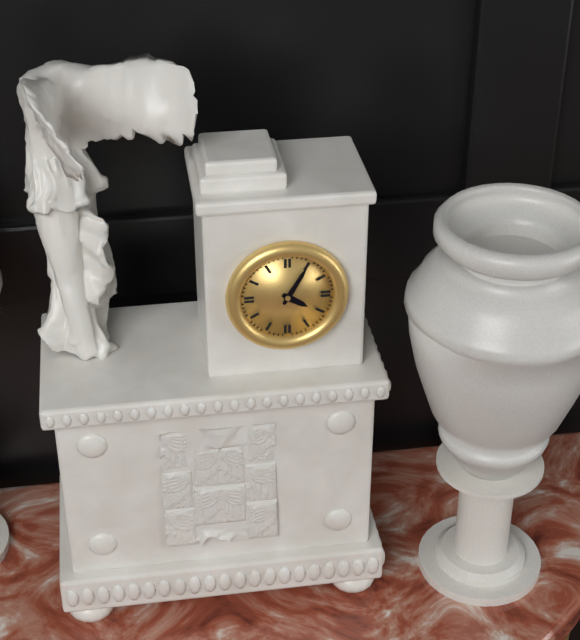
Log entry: 4:05
